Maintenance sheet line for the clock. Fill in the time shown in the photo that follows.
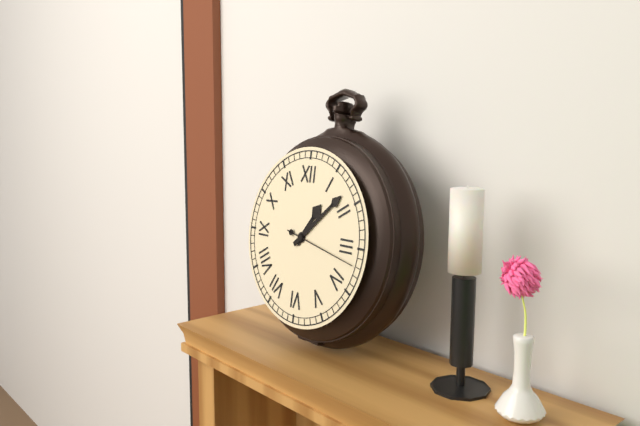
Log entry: 1:08:17
